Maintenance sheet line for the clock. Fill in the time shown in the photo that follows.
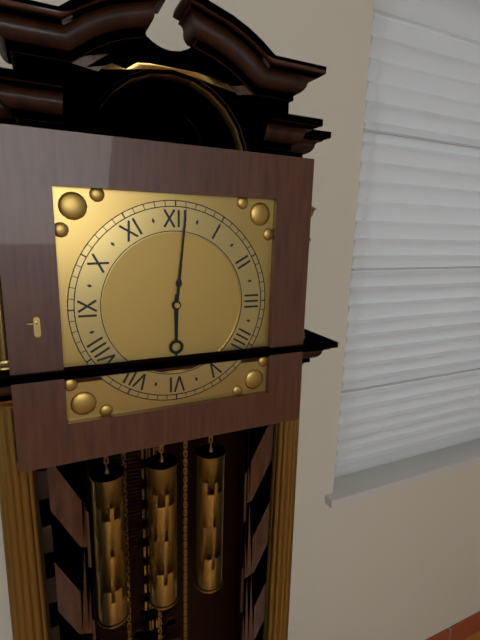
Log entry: 6:01
